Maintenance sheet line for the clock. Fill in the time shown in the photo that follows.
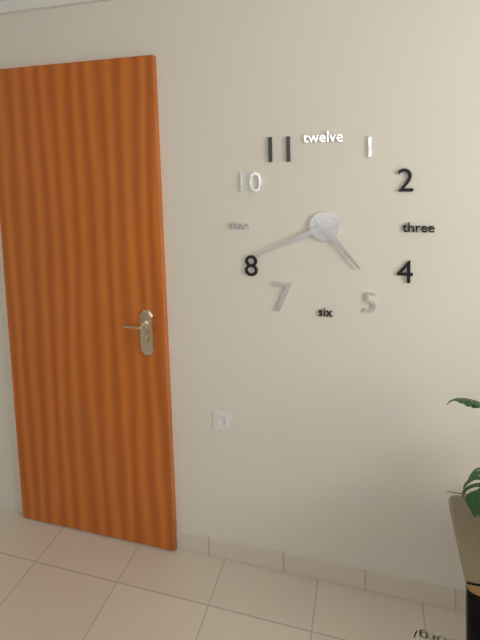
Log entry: 4:41
